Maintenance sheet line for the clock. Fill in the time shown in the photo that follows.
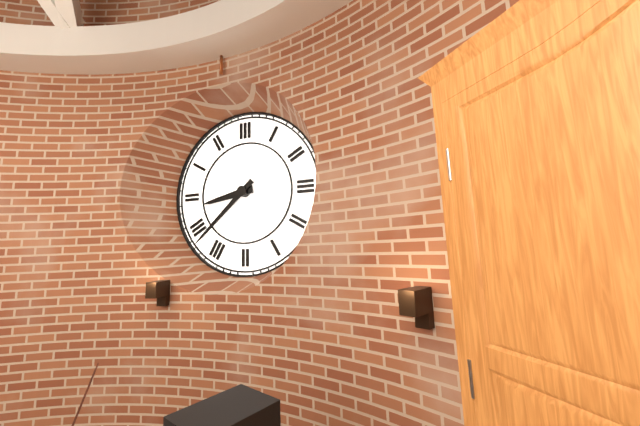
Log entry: 8:38
